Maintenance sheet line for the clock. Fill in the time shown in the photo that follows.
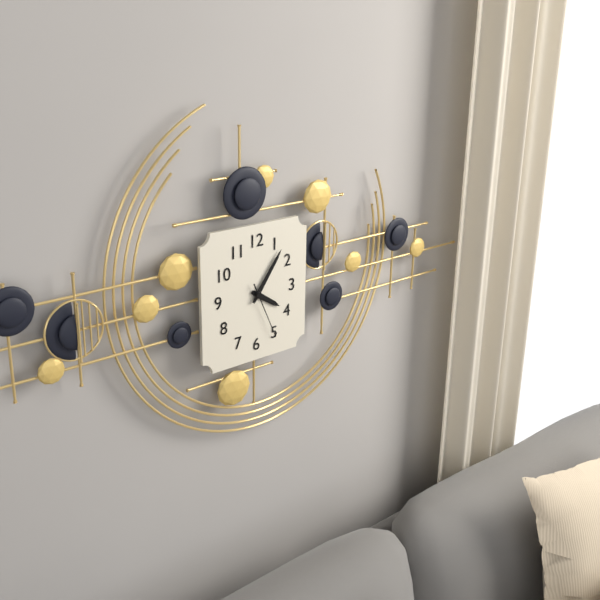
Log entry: 4:06:26
